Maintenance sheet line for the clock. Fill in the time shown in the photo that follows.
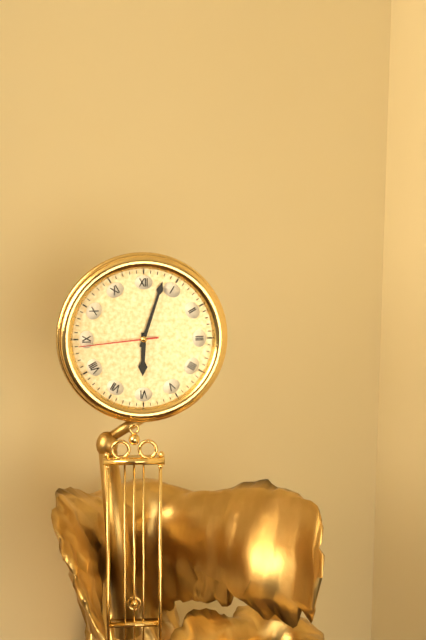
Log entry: 6:03:44
